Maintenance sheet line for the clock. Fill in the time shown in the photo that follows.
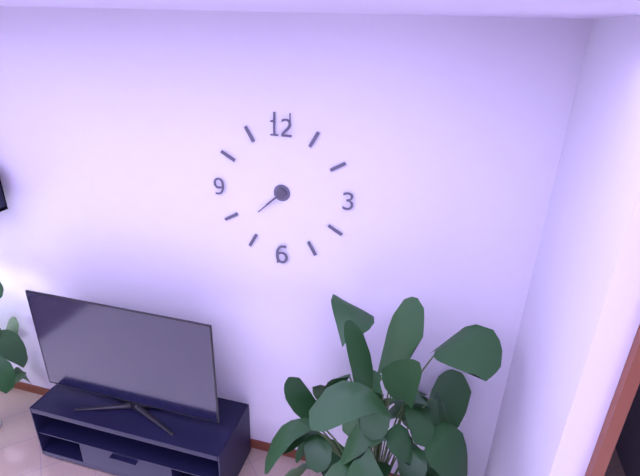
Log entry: 7:38
